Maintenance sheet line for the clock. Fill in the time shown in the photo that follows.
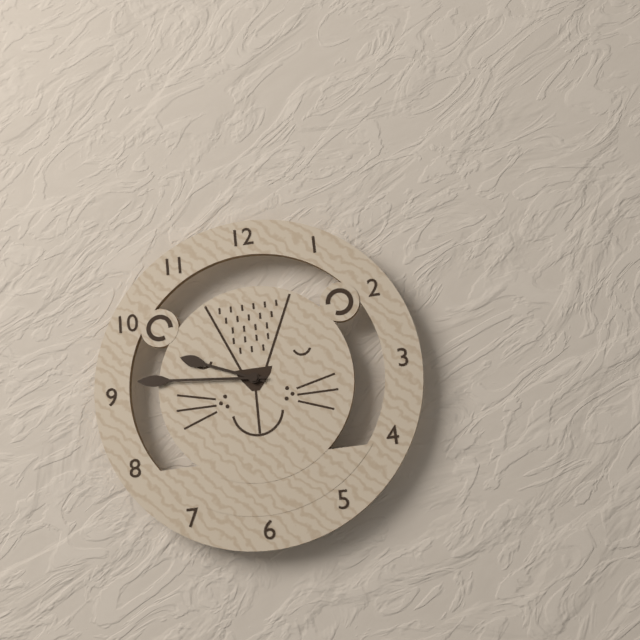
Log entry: 9:46
